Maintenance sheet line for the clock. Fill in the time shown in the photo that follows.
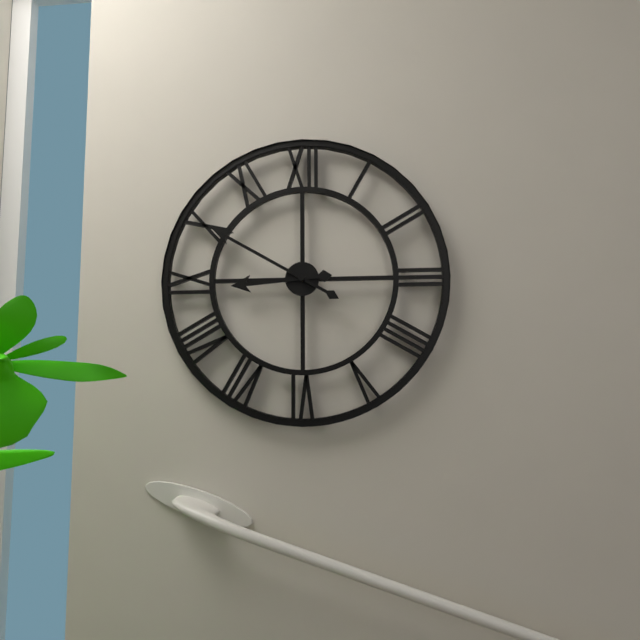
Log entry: 8:50
